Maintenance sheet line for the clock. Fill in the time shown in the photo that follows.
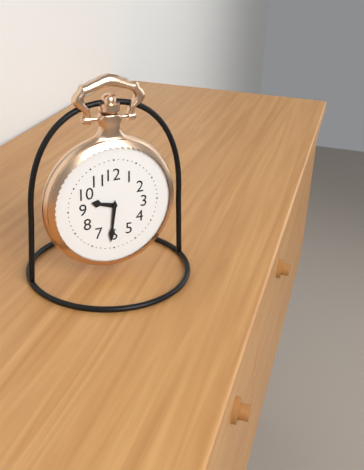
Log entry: 9:31
